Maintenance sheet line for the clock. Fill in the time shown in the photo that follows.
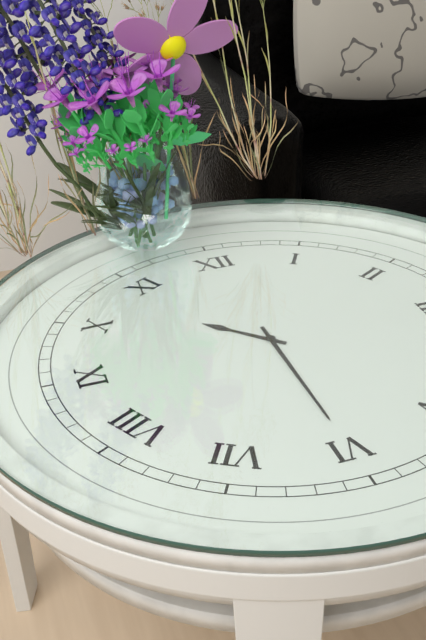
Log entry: 10:30
